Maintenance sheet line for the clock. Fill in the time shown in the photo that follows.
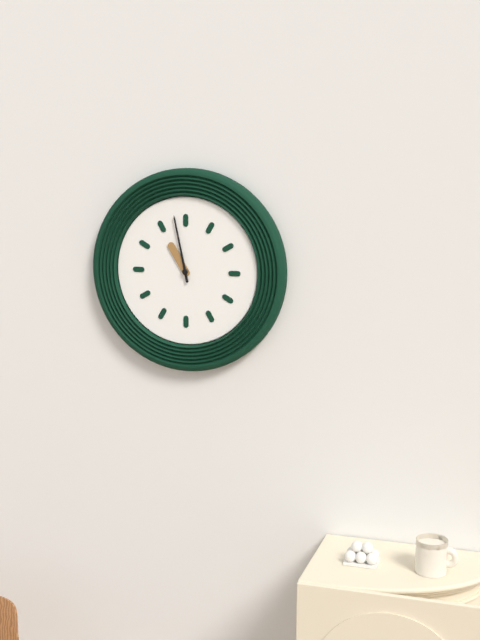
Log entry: 10:58
